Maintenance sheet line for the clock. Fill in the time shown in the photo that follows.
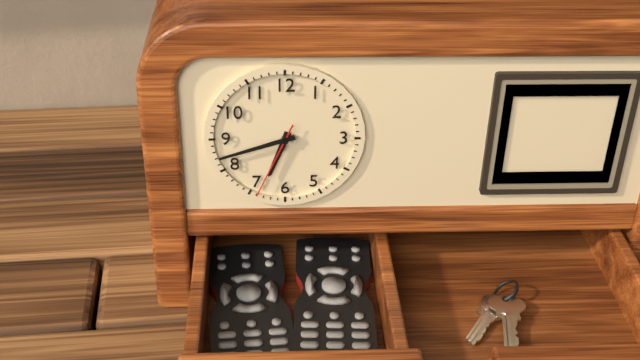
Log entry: 6:42:34
